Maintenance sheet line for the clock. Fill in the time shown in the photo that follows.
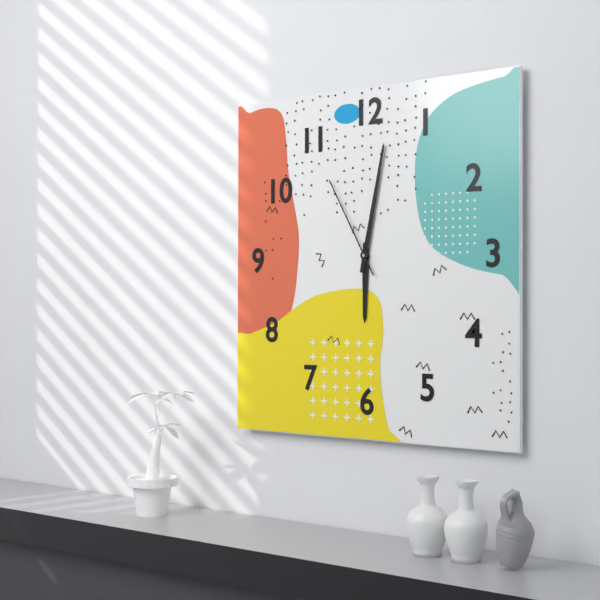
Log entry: 6:02:55
